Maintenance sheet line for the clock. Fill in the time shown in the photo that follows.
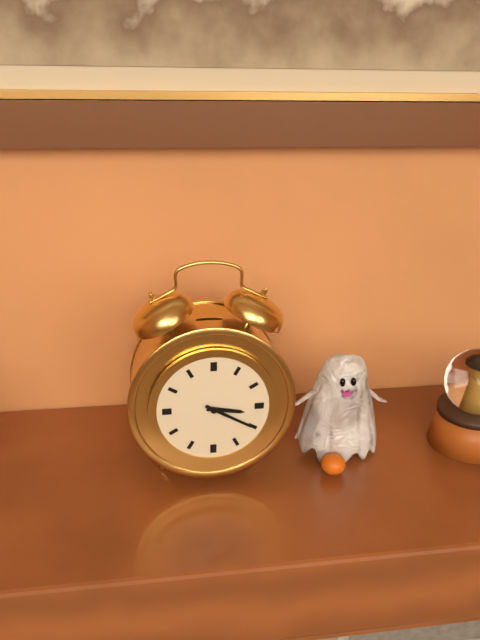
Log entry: 3:20
